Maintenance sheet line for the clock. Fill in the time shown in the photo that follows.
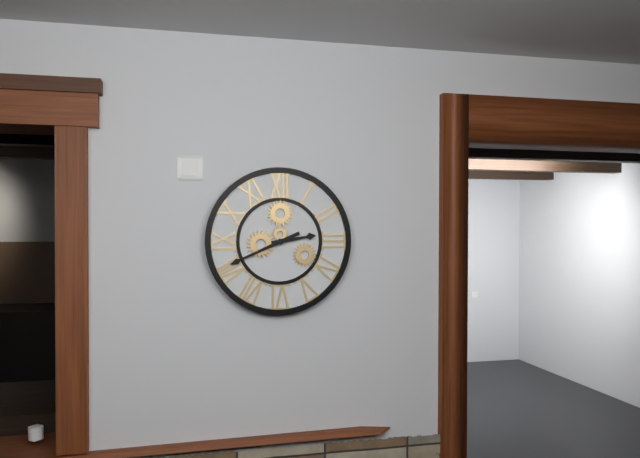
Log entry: 2:41
